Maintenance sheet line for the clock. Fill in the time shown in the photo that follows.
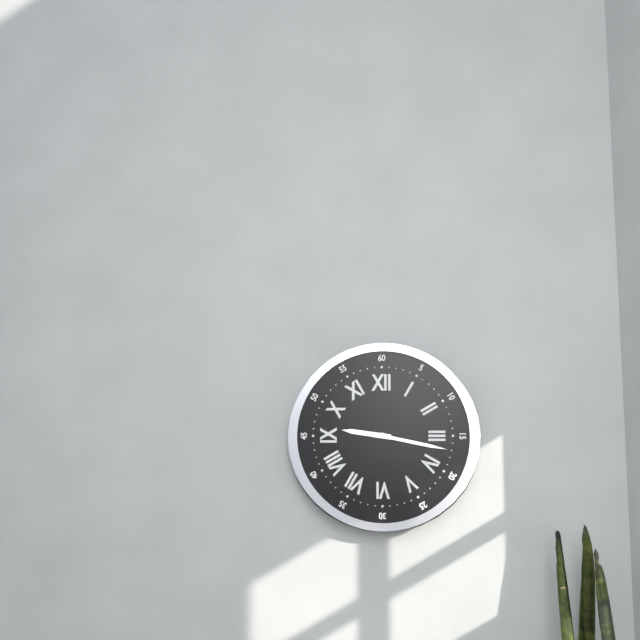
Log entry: 9:17
